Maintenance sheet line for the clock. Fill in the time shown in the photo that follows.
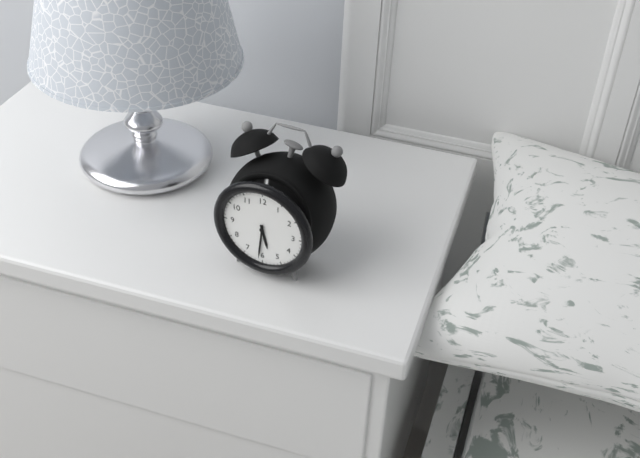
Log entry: 5:31
